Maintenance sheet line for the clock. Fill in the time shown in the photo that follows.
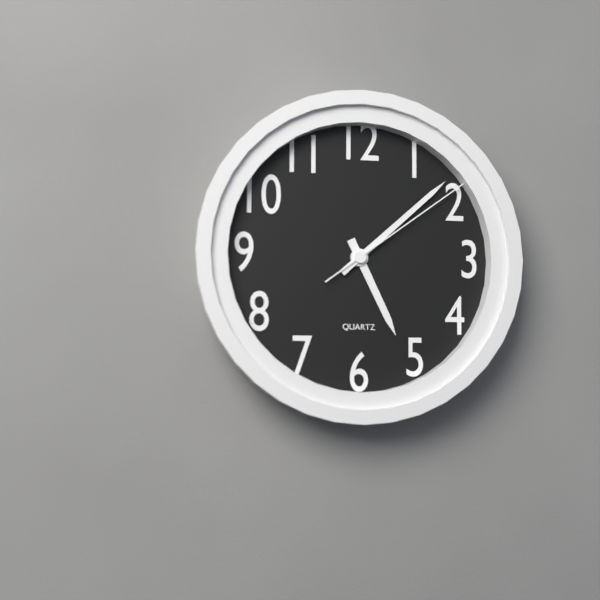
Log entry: 5:08:09
